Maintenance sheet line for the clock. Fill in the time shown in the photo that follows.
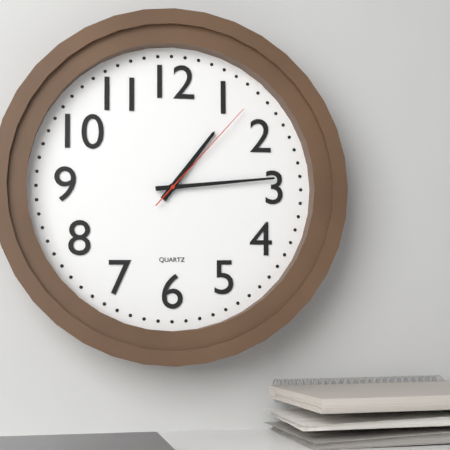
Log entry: 1:14:07
